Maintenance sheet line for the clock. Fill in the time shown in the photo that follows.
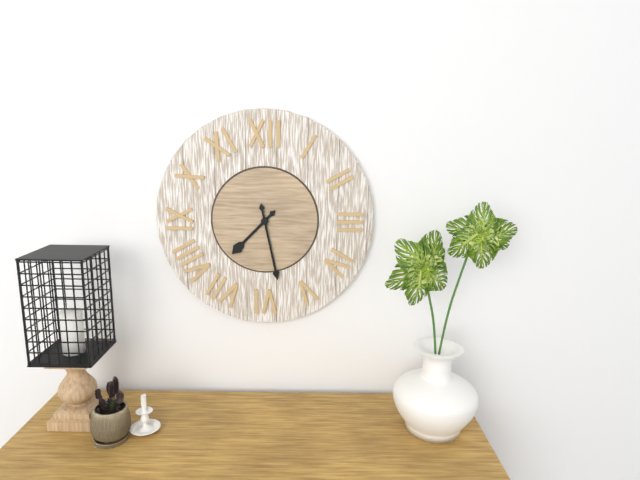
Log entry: 7:28
